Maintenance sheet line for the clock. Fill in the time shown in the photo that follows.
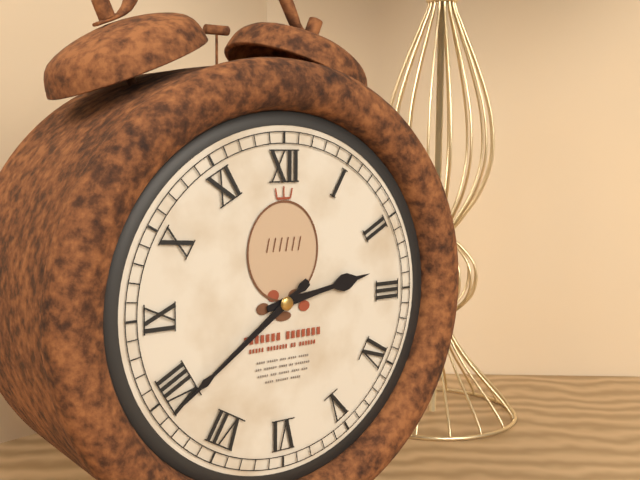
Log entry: 2:39
